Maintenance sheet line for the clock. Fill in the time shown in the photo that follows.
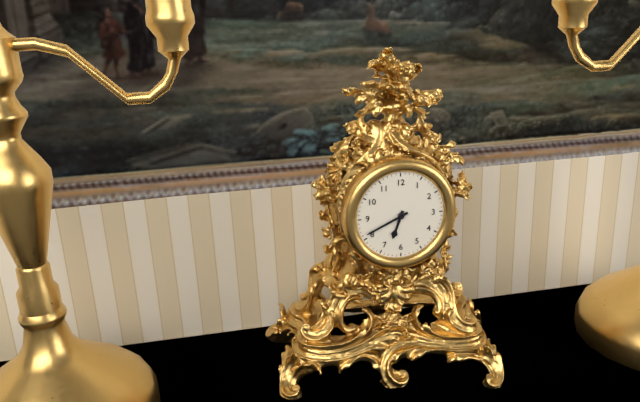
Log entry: 6:41
